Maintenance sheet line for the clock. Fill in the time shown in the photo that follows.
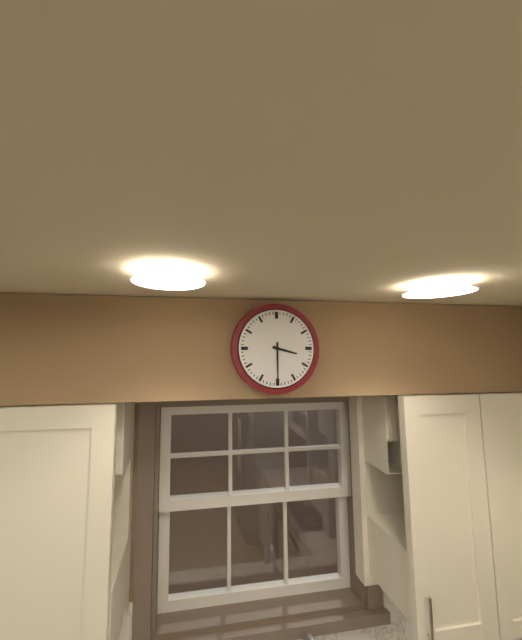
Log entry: 3:30
